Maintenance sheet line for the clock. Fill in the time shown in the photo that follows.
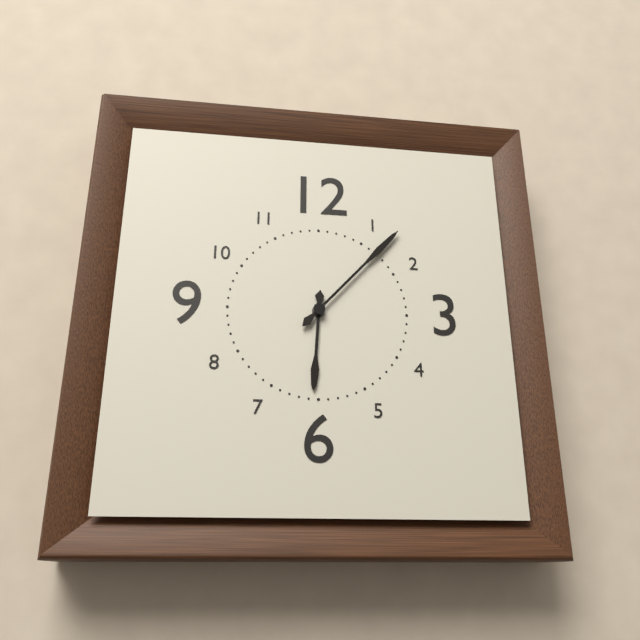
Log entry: 6:07
